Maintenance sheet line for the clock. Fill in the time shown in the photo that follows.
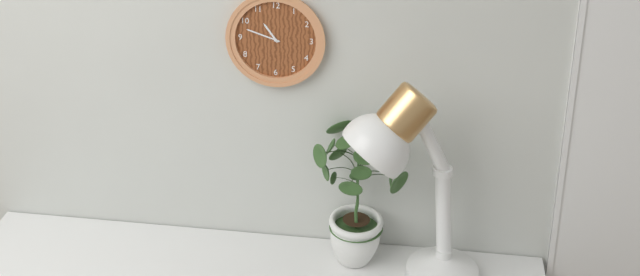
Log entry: 10:48
